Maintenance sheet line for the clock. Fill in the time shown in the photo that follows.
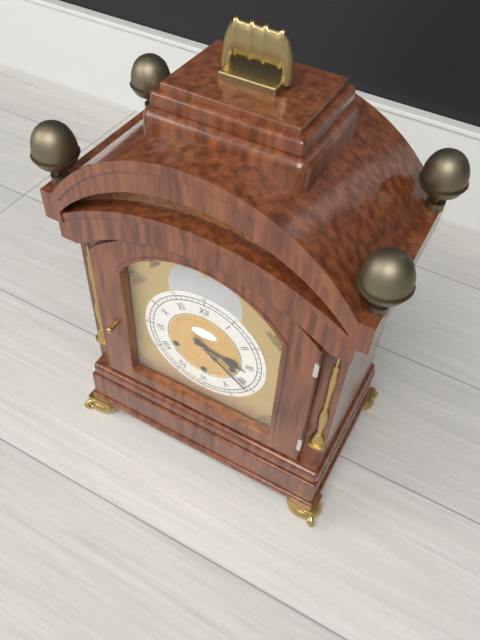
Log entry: 3:21
